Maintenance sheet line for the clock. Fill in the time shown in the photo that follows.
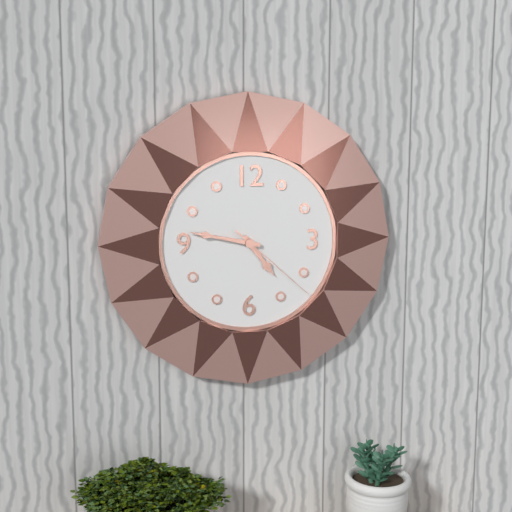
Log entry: 4:47:22
